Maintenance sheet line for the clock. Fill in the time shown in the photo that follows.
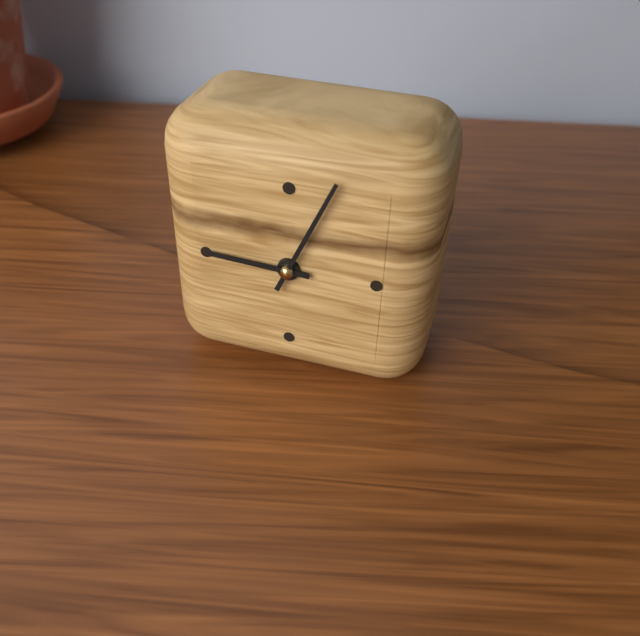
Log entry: 9:04
